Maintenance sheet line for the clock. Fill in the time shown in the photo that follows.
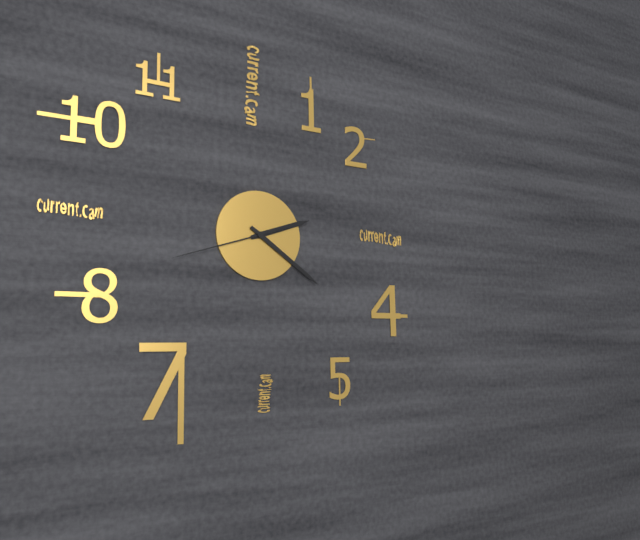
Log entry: 2:21:42
